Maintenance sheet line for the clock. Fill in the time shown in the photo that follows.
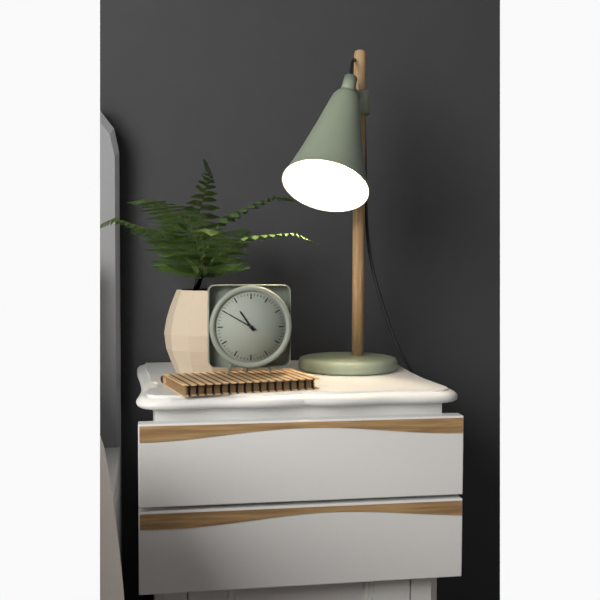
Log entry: 10:50
